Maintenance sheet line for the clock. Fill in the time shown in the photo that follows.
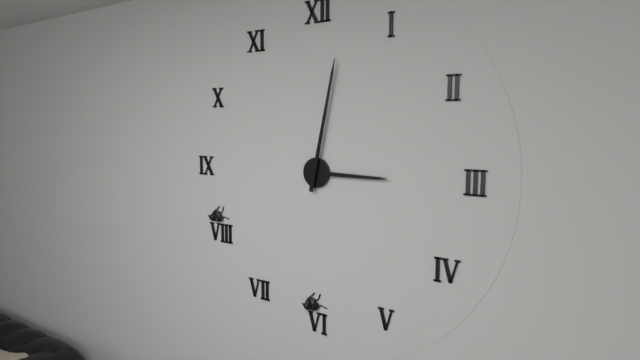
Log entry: 3:02
